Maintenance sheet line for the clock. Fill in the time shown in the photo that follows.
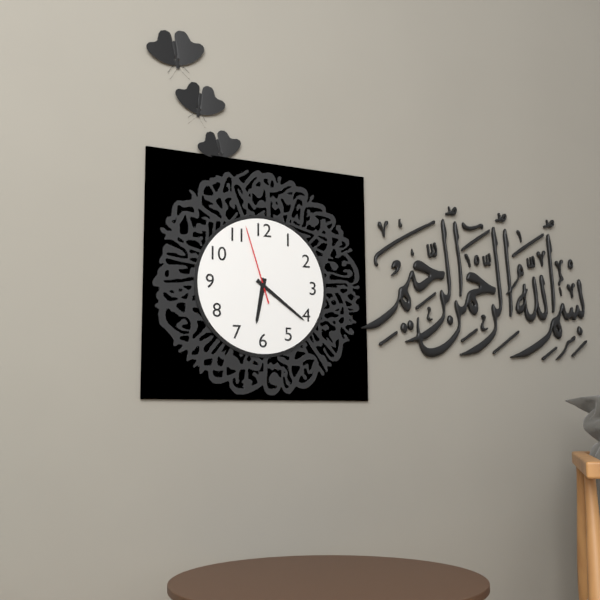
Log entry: 6:21:57
